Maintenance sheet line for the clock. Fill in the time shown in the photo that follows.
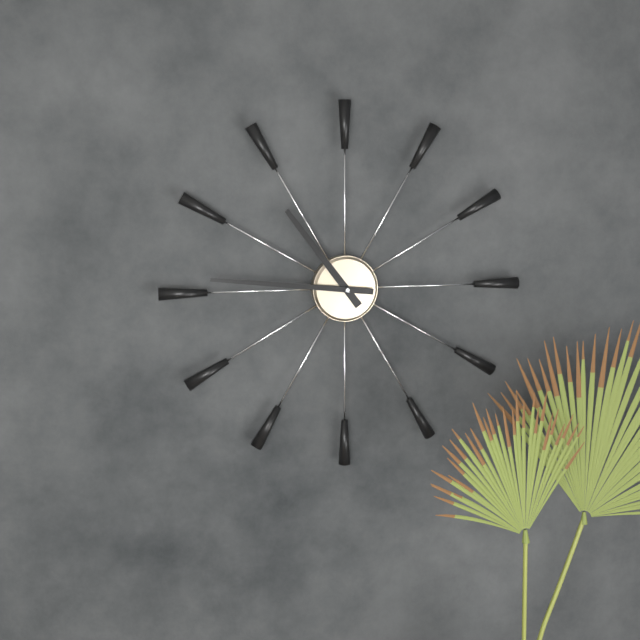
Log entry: 10:46
